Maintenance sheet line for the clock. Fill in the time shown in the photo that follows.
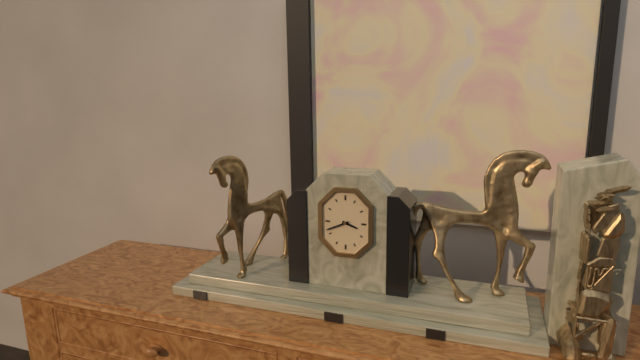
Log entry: 3:41
